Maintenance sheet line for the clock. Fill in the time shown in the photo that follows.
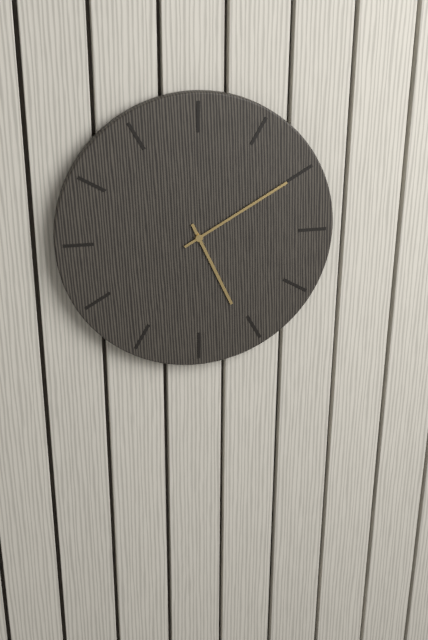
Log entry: 5:10
